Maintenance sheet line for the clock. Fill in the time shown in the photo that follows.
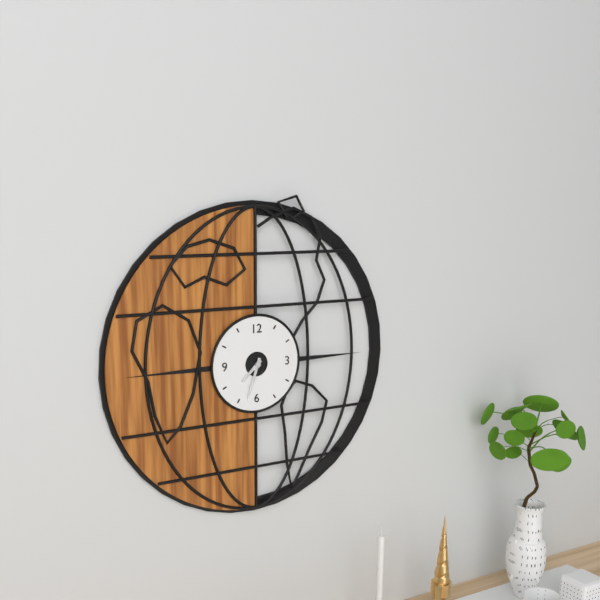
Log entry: 7:33
